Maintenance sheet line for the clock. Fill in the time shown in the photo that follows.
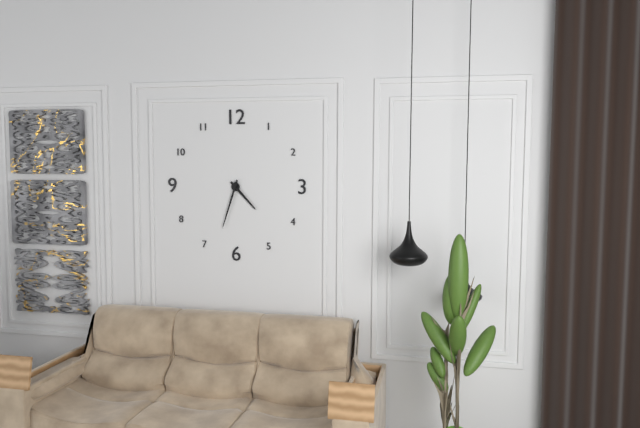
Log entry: 4:33
